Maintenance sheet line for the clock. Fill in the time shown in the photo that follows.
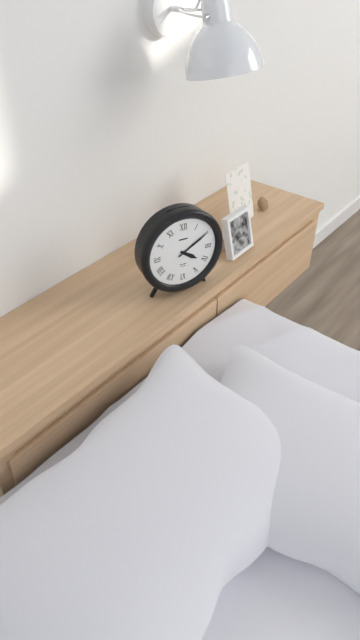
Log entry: 4:10
